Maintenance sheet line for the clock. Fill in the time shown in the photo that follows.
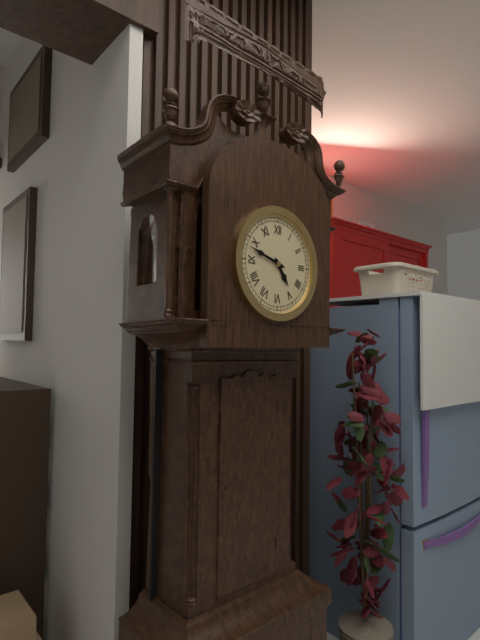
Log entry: 4:48
